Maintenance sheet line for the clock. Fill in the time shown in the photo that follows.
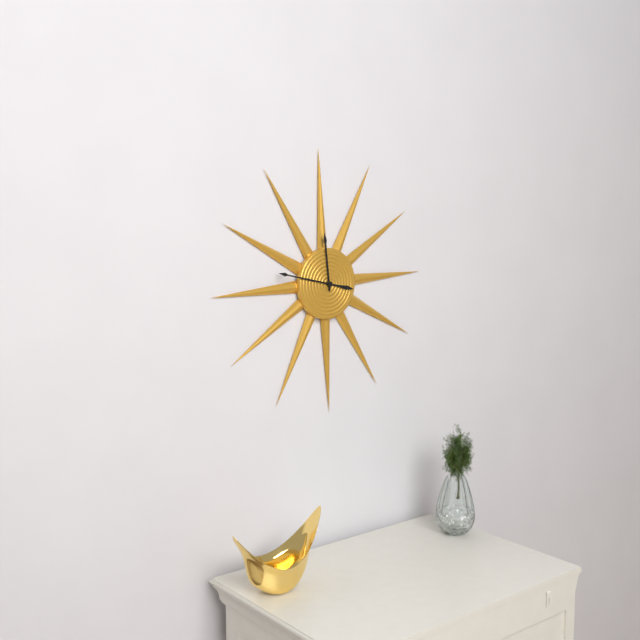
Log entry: 11:47
